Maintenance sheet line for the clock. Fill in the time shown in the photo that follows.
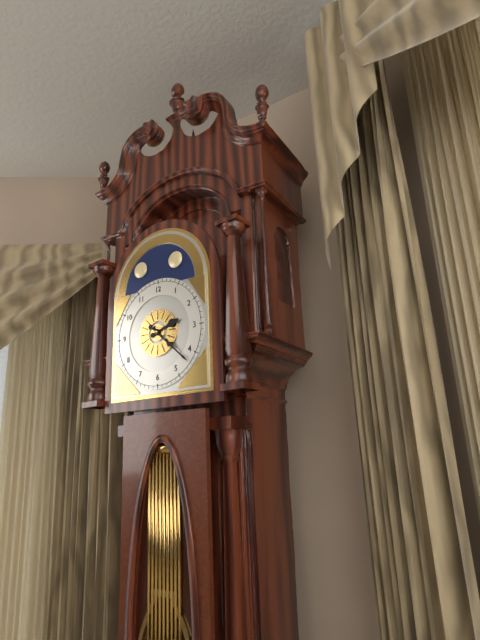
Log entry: 2:22
